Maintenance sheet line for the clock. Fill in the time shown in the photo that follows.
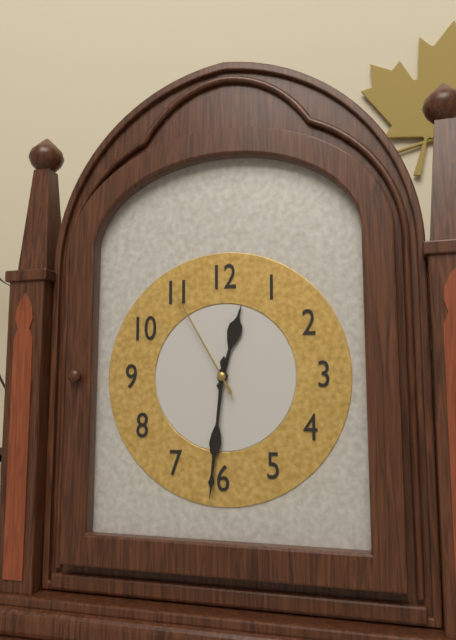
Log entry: 12:31:55
